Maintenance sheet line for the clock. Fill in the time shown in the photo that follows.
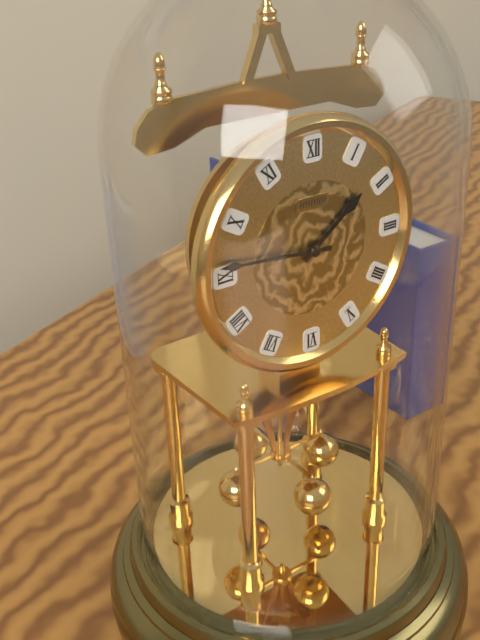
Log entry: 1:46
